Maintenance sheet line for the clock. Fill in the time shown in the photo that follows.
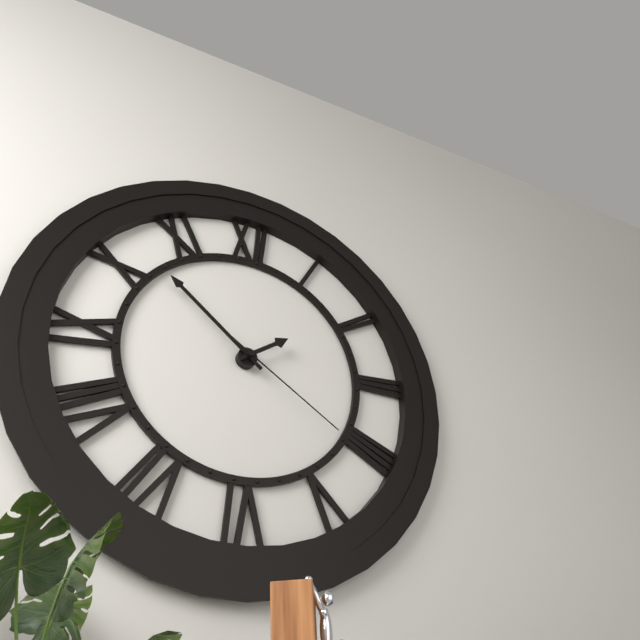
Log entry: 1:52:21
